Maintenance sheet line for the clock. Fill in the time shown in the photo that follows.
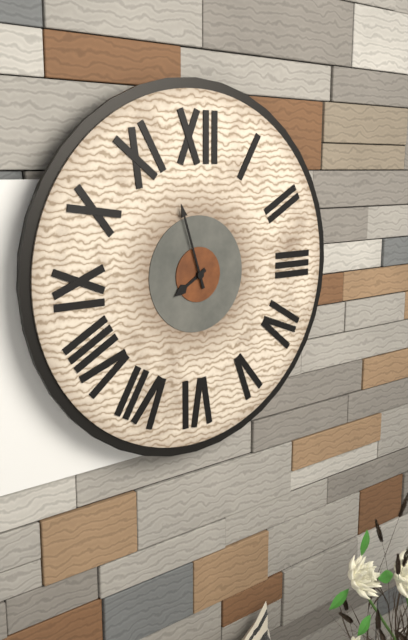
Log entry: 7:57
